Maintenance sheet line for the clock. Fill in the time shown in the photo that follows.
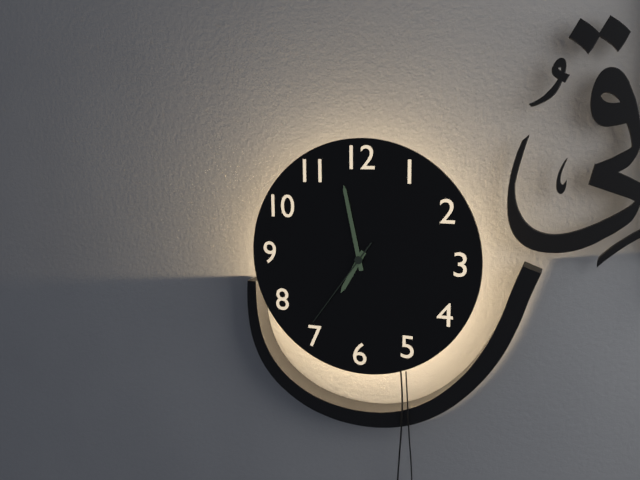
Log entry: 6:58:36
